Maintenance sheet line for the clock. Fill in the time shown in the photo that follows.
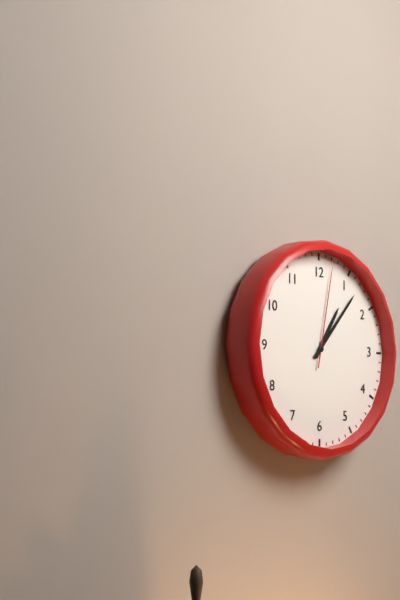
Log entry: 1:07:02
